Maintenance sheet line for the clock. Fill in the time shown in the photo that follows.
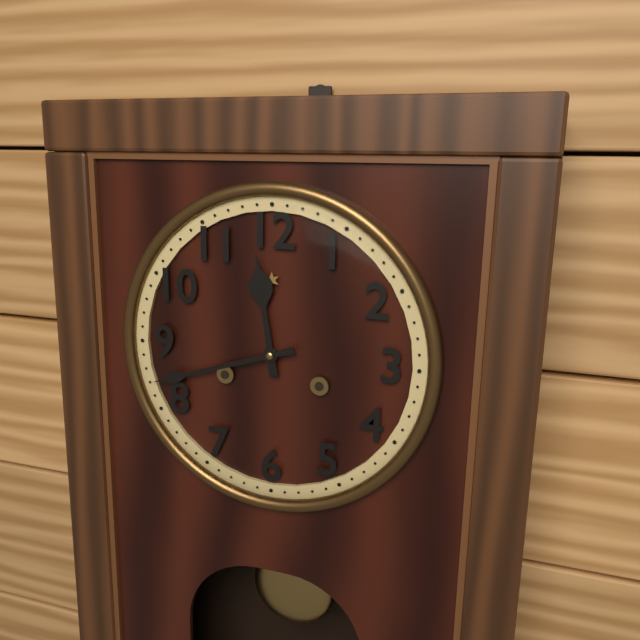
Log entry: 11:42
